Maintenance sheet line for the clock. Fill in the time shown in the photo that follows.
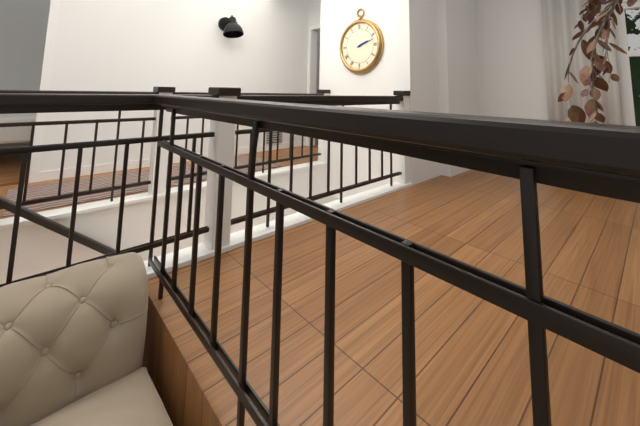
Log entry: 2:12
